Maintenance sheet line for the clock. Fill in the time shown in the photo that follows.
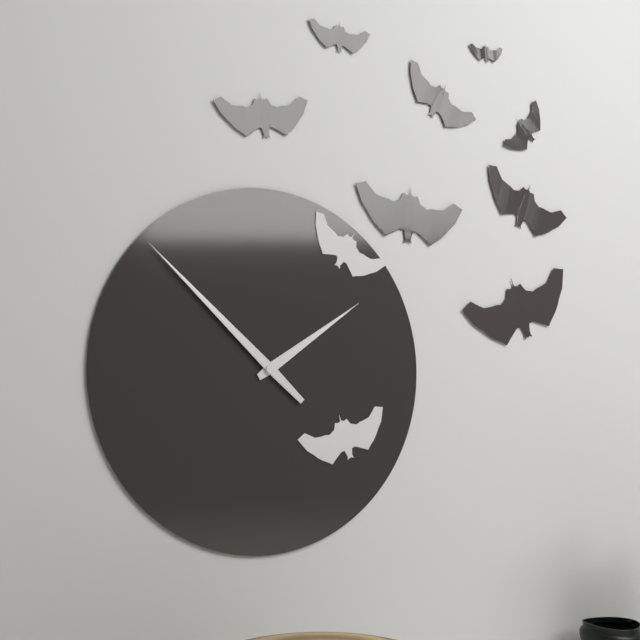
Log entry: 1:52
